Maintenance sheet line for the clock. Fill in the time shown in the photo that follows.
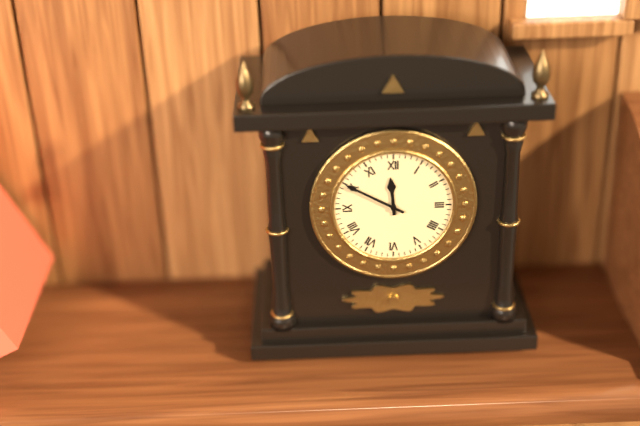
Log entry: 11:50
